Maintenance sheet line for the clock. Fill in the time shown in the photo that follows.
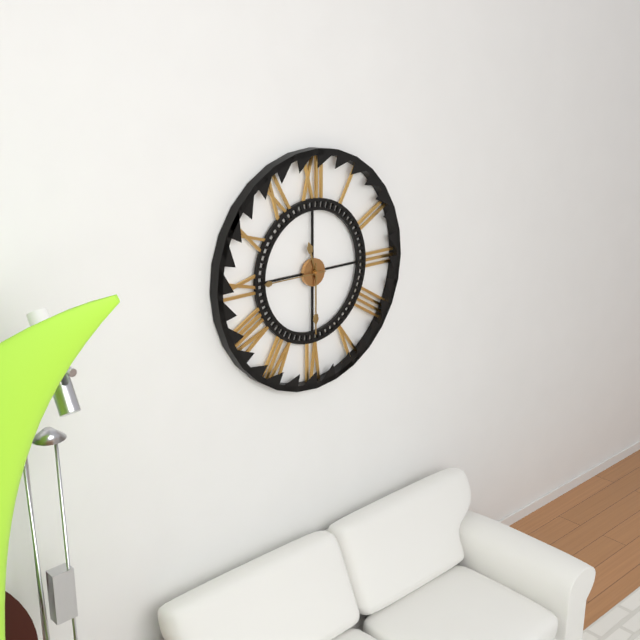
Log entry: 11:30:45
